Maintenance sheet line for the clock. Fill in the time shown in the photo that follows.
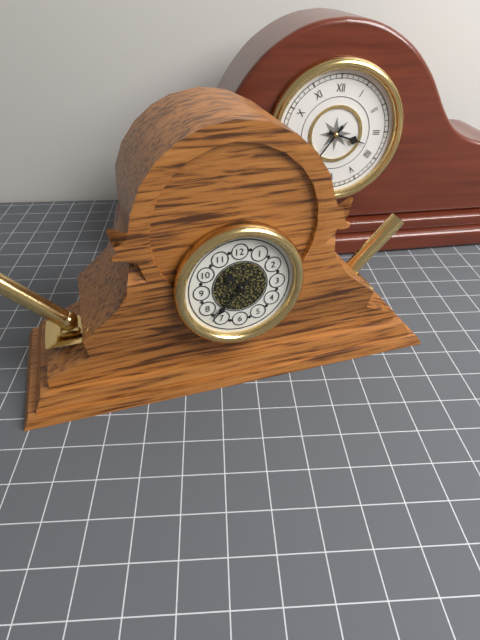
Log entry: 10:37
